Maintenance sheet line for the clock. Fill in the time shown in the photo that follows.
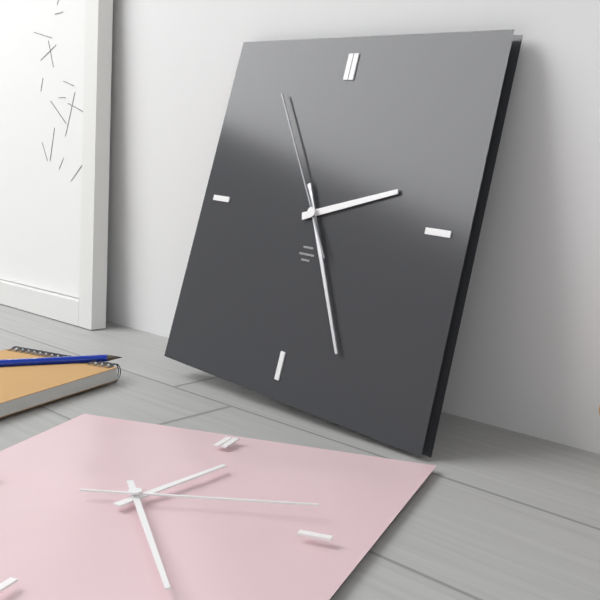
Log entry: 2:25:54
